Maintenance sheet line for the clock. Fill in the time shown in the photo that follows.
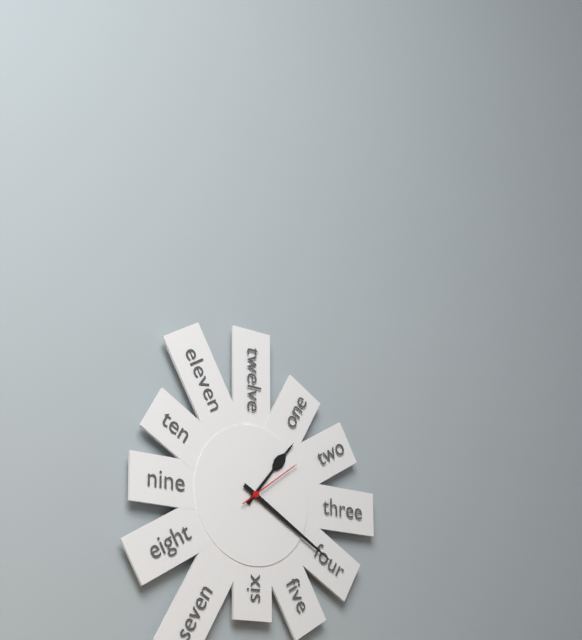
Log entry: 1:20:09
